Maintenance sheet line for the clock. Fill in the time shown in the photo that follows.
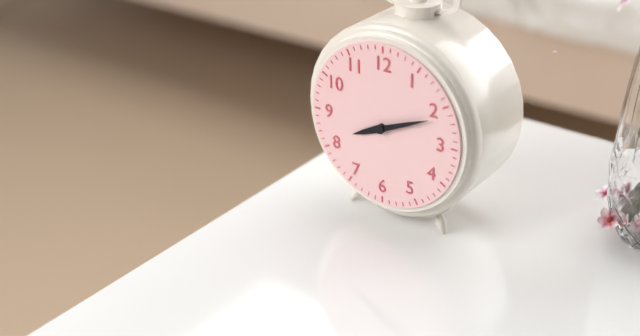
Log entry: 8:11
